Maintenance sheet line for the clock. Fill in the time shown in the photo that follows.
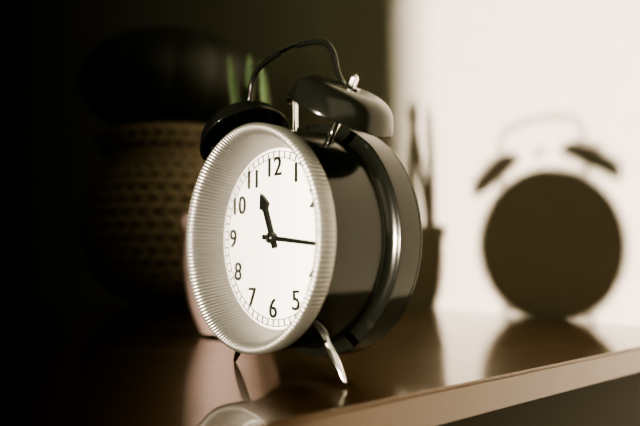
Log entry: 11:16
